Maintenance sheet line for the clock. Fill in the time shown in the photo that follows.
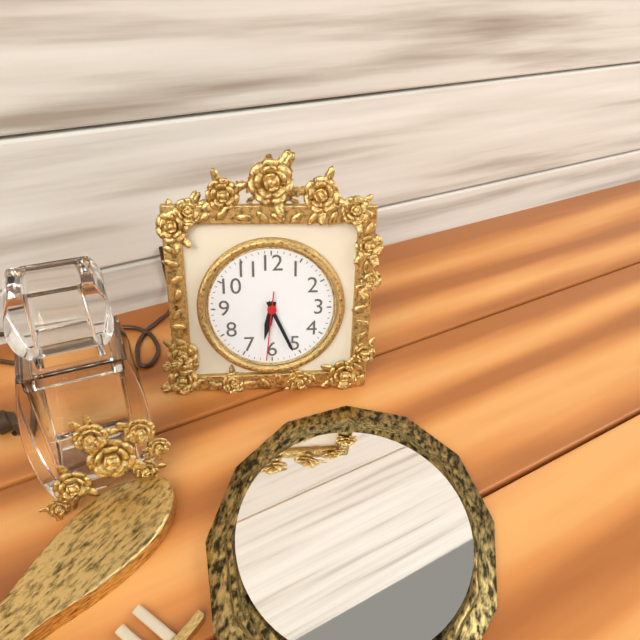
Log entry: 6:26:31
